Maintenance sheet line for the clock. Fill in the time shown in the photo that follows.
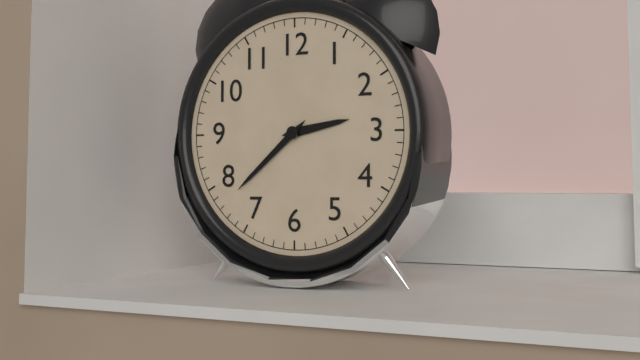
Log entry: 2:38
